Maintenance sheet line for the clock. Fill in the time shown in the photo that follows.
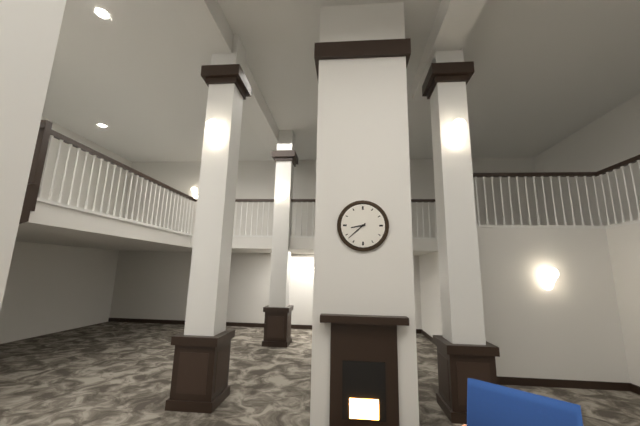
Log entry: 8:38
